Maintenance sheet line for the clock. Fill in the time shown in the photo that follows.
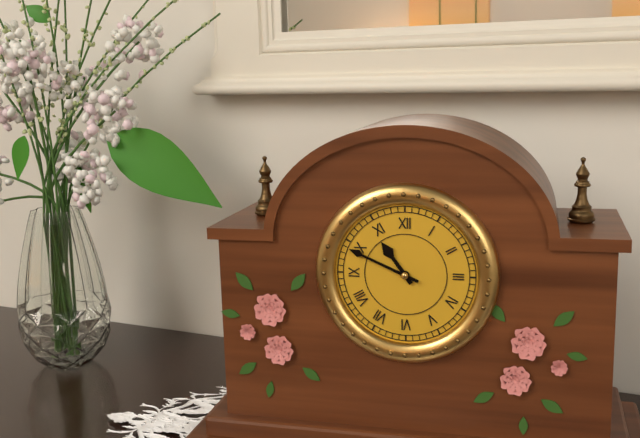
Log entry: 10:49
